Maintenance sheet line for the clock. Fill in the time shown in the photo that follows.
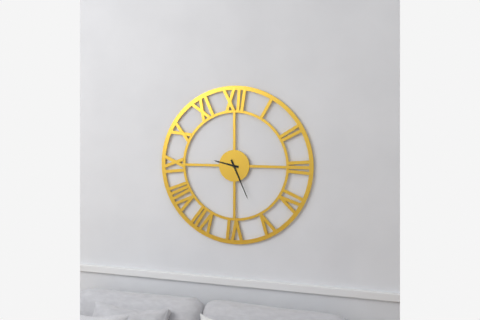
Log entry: 9:26
